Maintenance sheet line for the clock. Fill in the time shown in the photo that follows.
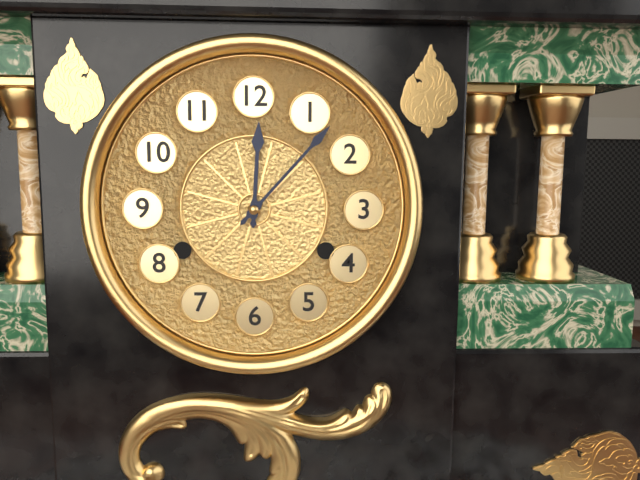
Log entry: 12:07
